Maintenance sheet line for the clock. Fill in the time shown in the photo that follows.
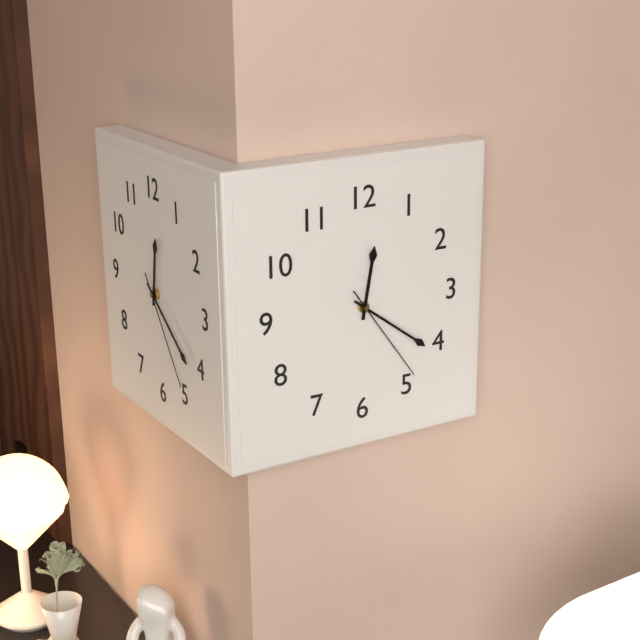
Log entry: 12:21:24
